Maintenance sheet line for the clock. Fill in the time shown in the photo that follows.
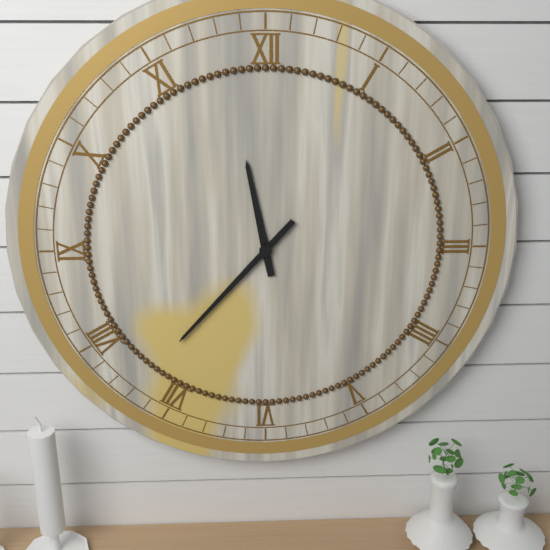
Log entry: 11:37
